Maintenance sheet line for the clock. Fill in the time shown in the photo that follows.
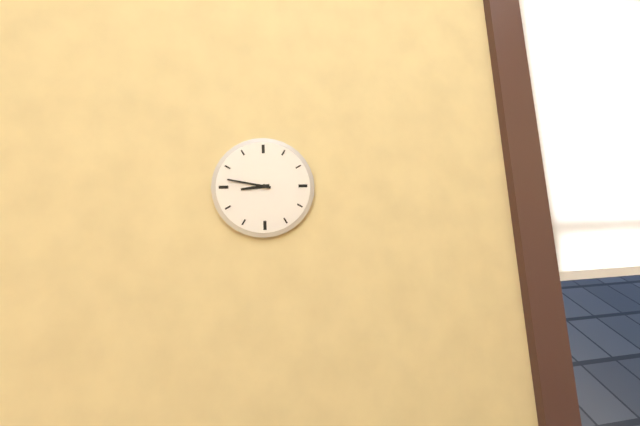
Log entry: 8:47
